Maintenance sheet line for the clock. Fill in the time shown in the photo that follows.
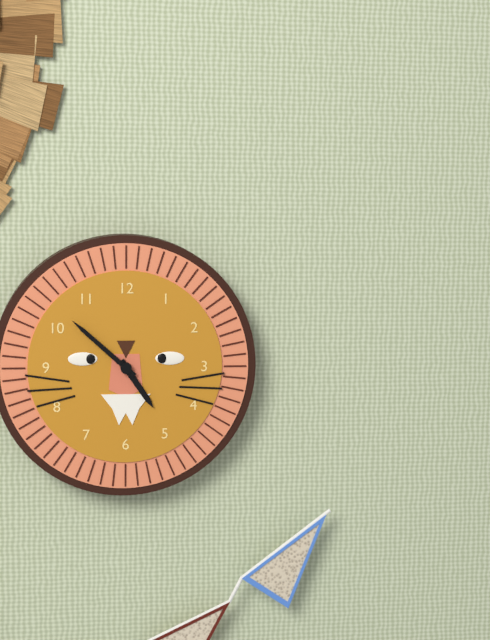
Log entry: 4:52
